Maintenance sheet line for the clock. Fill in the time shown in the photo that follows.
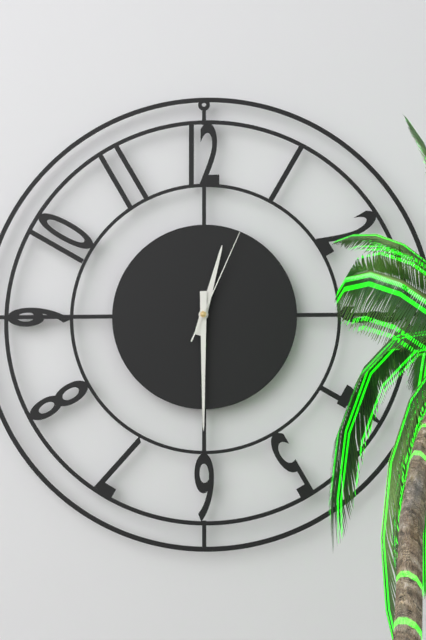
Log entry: 12:30:04
